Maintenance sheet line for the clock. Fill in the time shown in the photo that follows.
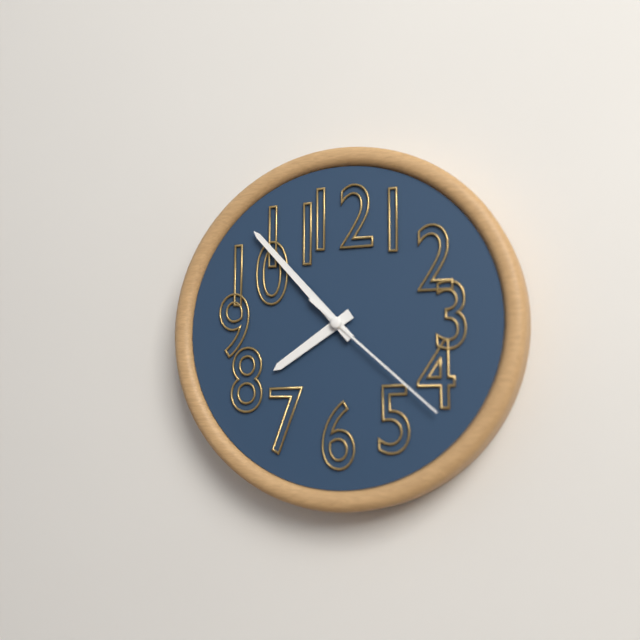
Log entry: 7:53:22
